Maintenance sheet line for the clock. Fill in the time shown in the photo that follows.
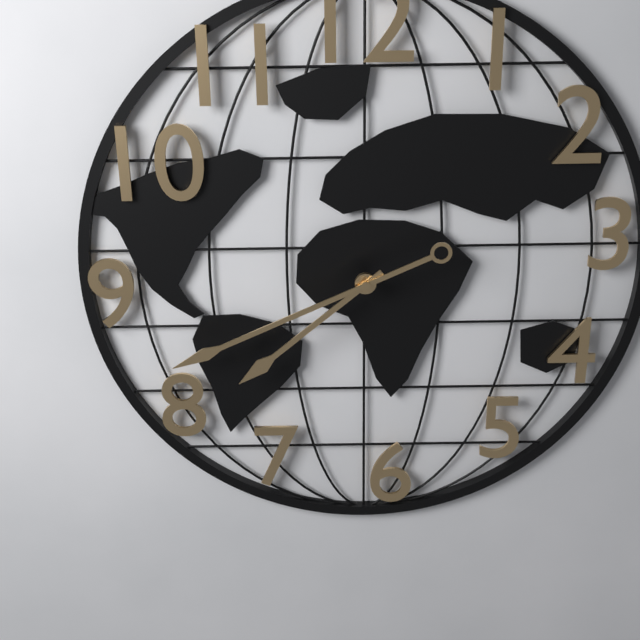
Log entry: 7:41
